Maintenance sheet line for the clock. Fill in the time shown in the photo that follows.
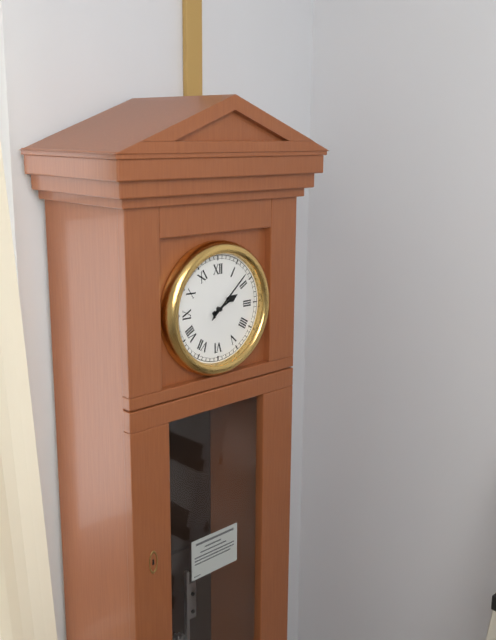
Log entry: 2:08
